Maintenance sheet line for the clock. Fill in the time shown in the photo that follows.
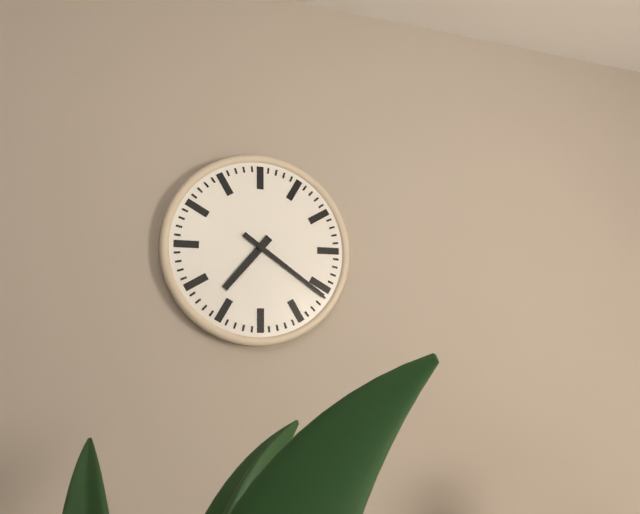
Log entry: 7:21
